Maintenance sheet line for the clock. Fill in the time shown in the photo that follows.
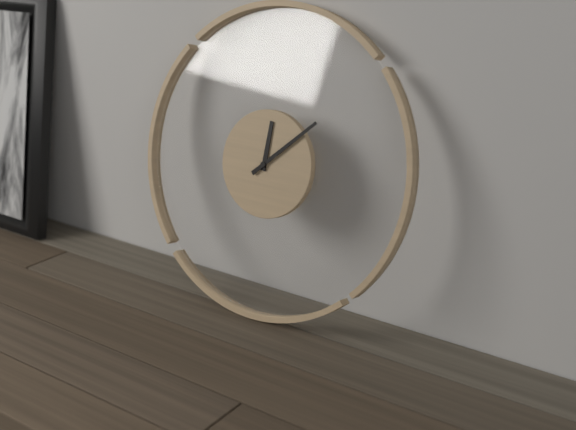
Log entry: 12:08
